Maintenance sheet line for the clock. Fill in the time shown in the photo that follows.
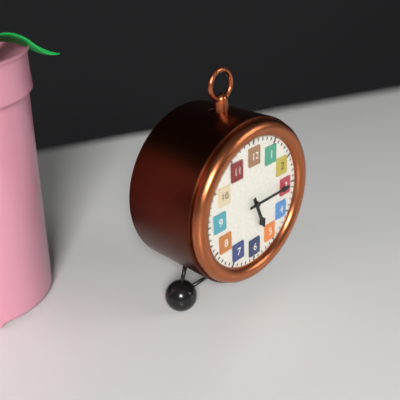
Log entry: 5:15
